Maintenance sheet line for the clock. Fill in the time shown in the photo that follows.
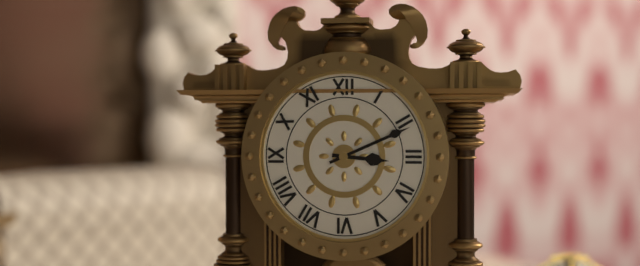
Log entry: 3:11
